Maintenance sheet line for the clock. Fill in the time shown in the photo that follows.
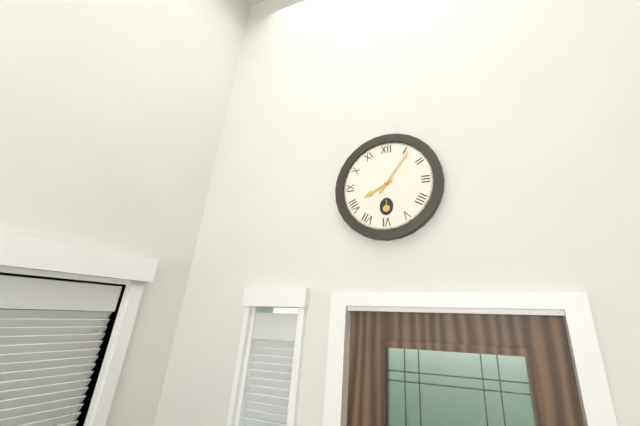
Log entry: 8:06
